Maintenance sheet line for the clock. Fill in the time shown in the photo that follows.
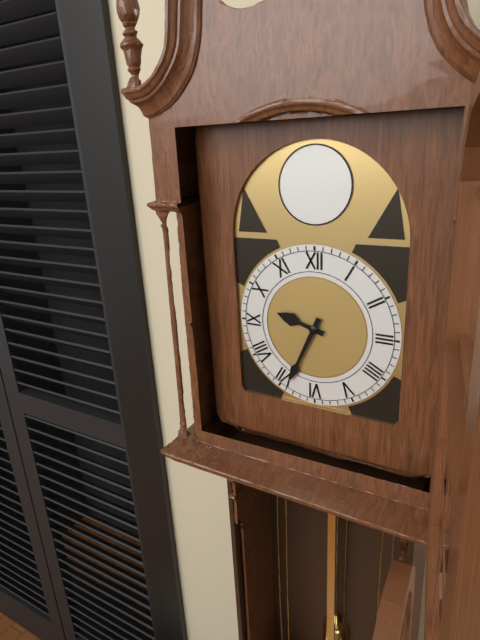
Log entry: 9:34
